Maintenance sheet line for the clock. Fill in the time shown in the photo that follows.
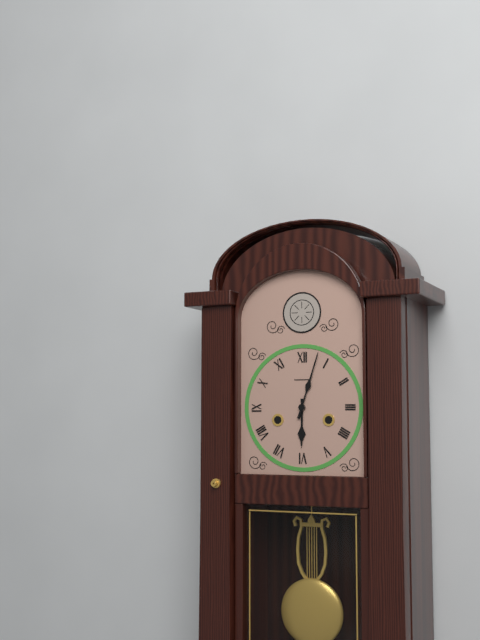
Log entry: 6:03
